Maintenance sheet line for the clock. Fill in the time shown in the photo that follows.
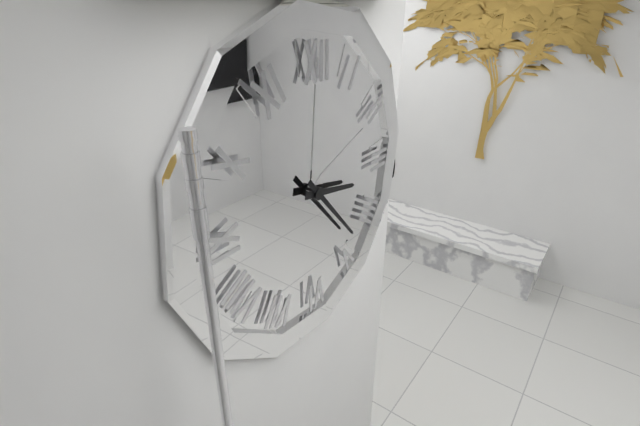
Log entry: 3:23
